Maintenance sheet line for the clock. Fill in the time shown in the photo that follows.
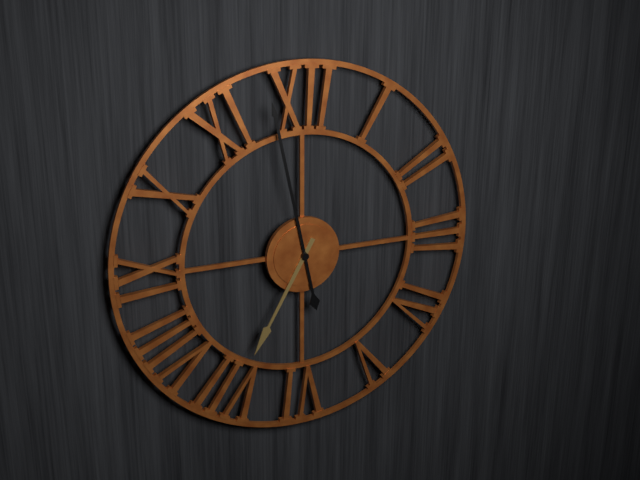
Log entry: 6:58
